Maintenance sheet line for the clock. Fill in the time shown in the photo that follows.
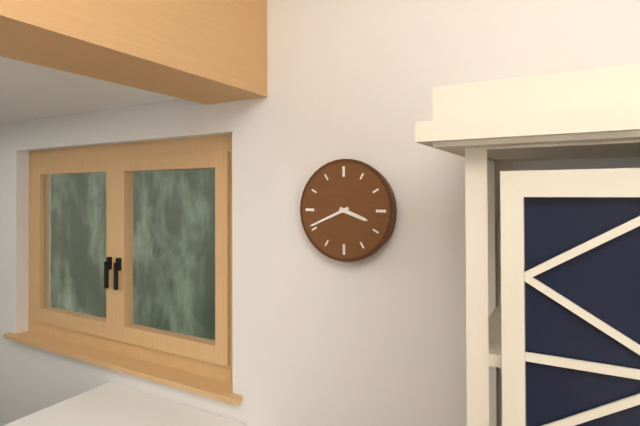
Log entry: 3:41
